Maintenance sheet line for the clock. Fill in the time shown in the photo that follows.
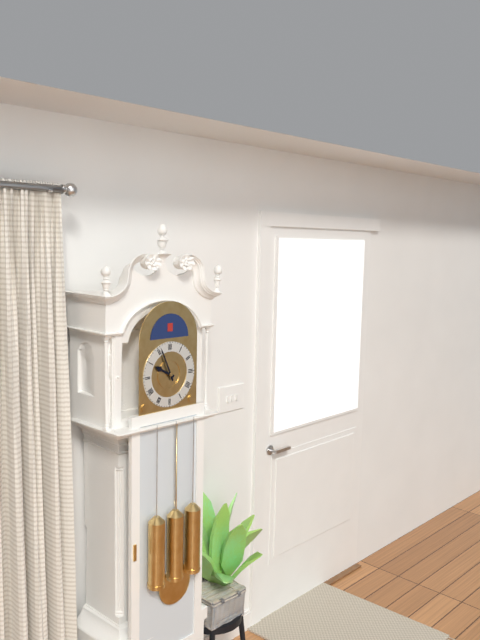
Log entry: 9:56
